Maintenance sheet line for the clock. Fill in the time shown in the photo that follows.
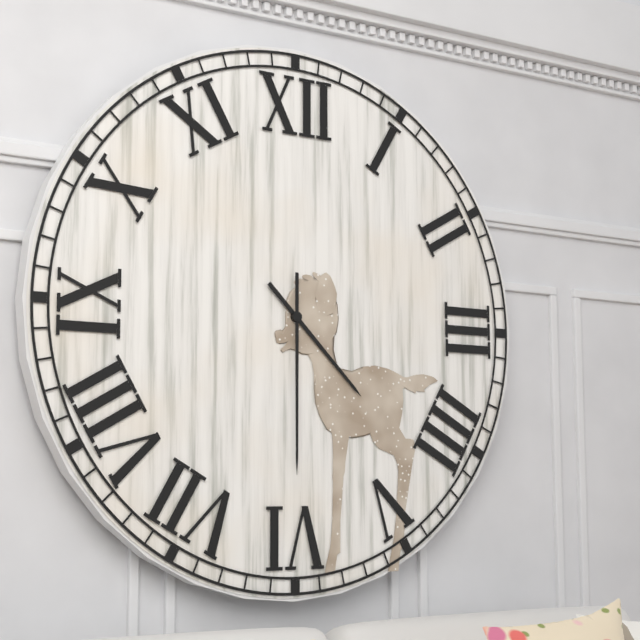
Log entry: 4:30
